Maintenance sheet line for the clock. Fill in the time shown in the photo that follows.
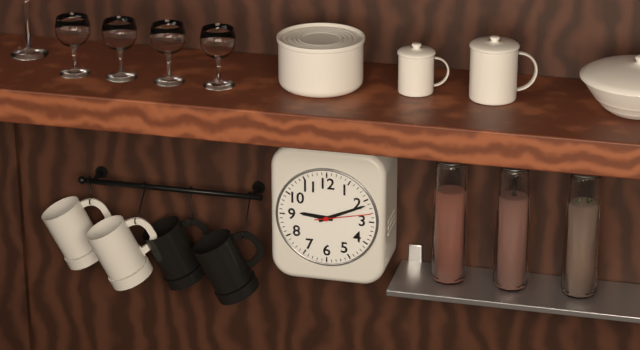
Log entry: 9:11:13
